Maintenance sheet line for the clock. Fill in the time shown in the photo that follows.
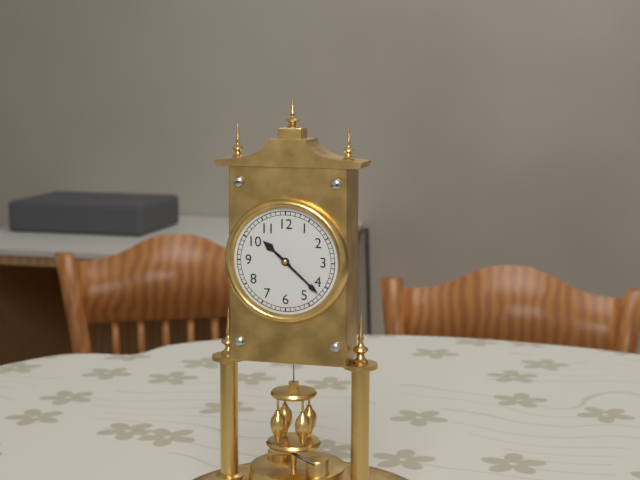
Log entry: 10:22
